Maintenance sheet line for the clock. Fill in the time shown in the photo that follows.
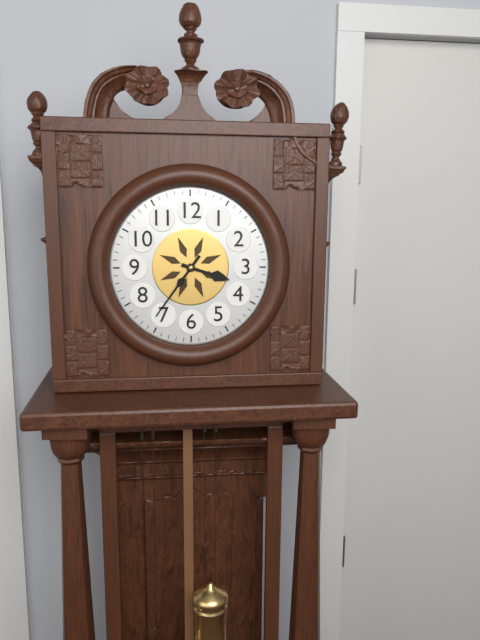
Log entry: 3:36
